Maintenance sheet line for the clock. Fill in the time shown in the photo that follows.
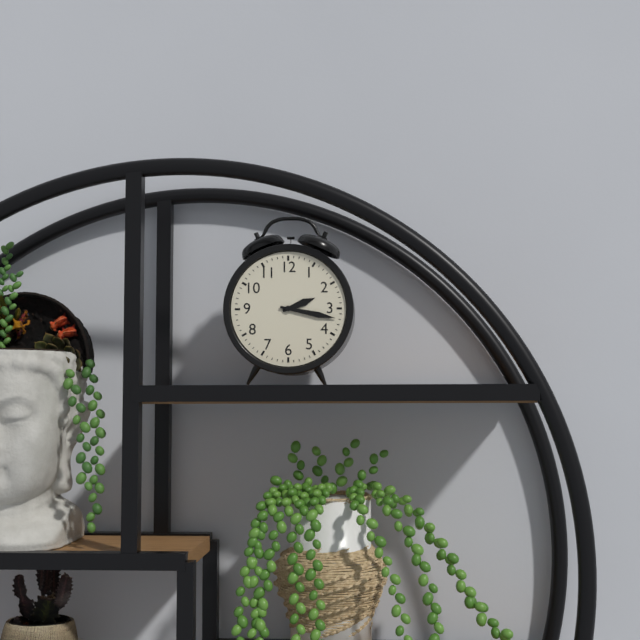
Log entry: 2:17
